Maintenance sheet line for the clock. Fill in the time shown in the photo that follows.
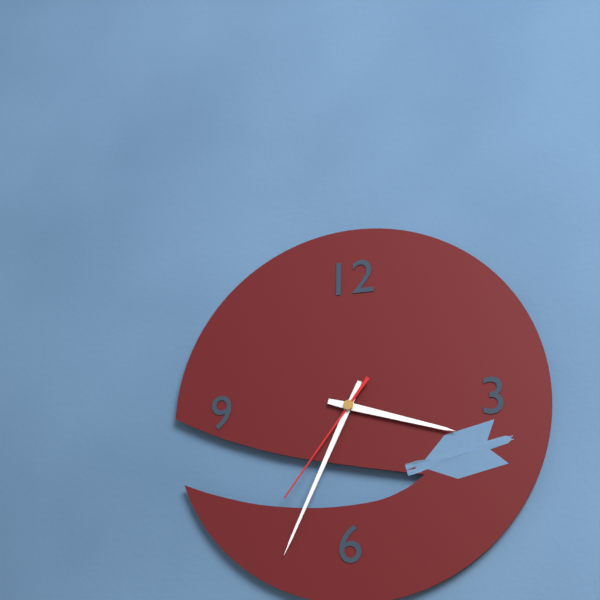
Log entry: 3:34:36
